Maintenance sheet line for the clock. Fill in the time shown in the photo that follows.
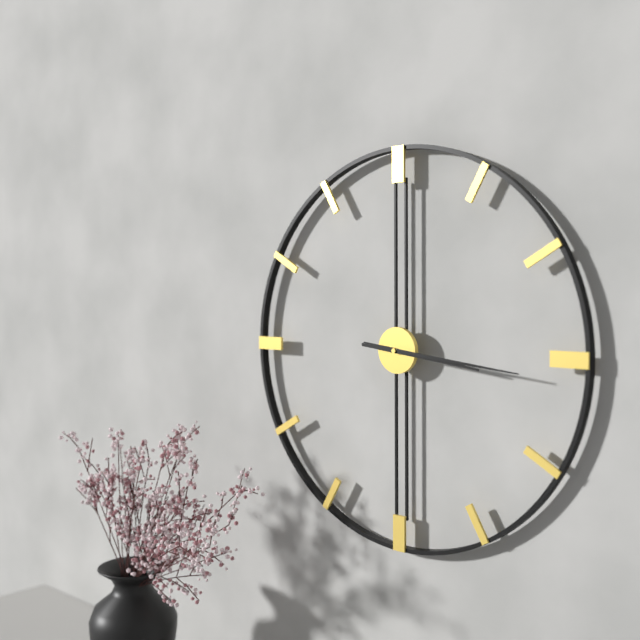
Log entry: 3:16
